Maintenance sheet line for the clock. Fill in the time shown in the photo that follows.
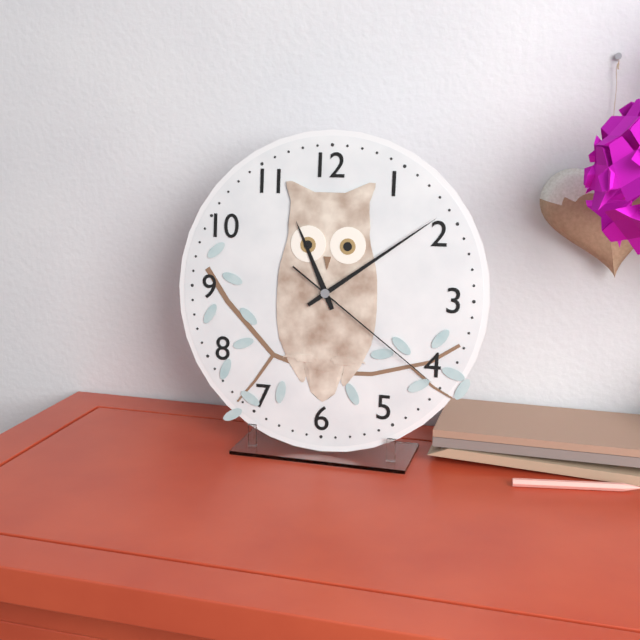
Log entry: 11:09:21
